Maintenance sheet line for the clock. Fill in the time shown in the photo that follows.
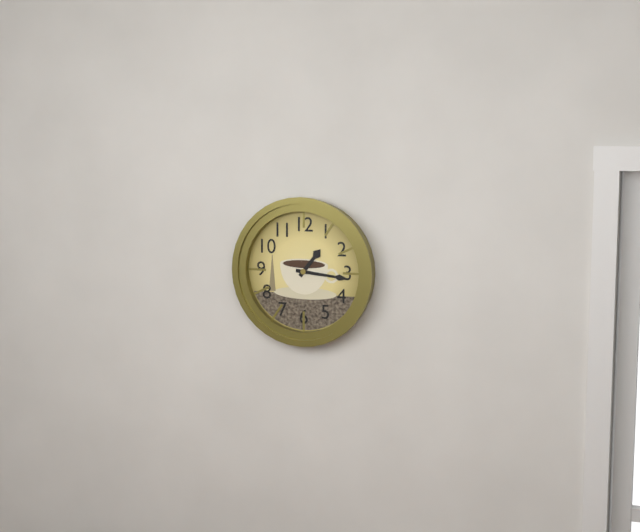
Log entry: 1:16
